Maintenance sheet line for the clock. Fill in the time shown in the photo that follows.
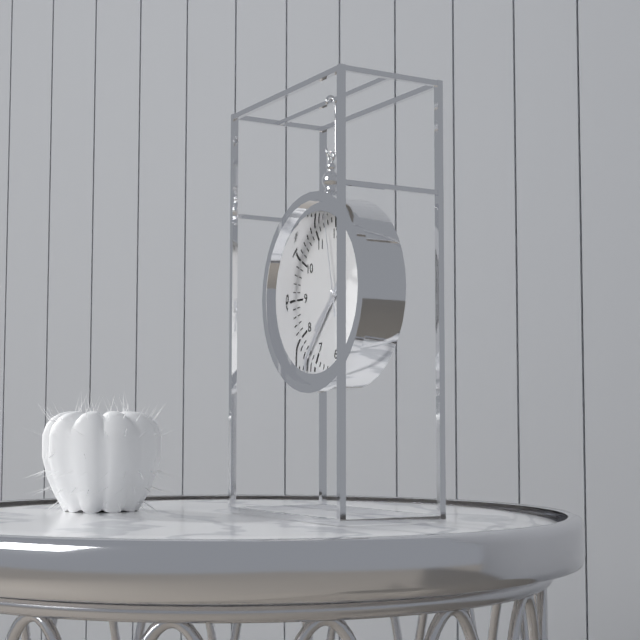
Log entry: 7:37:58
